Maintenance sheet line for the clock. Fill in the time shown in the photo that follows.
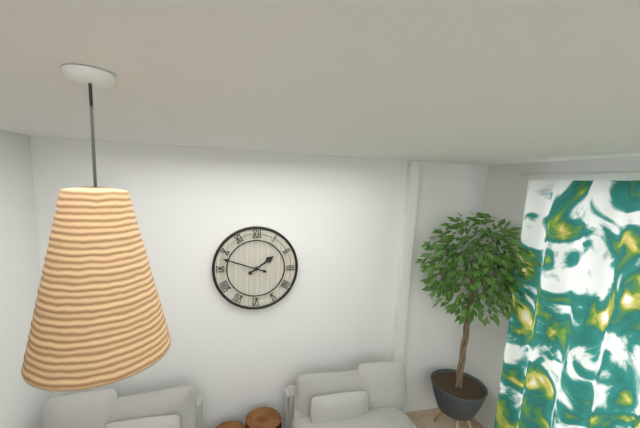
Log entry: 1:48
